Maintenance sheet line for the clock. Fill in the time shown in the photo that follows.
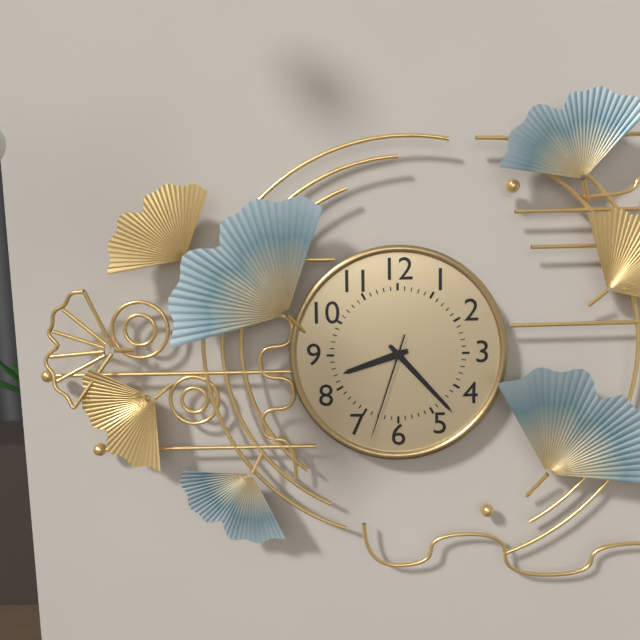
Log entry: 8:23:33
